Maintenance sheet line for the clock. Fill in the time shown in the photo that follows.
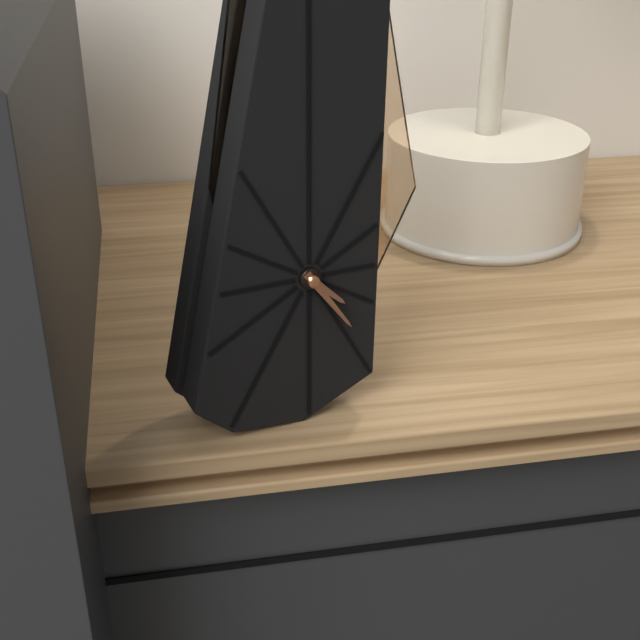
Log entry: 4:24
